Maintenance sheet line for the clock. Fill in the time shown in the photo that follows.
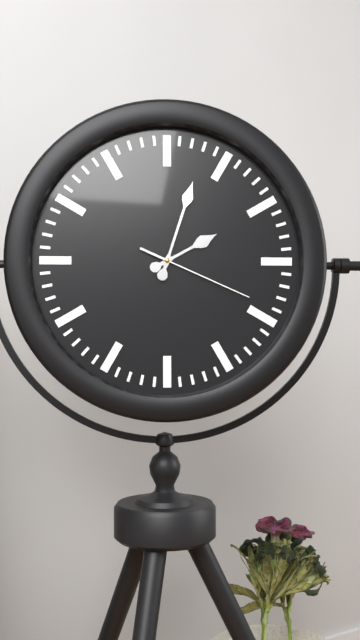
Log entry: 2:03:19
